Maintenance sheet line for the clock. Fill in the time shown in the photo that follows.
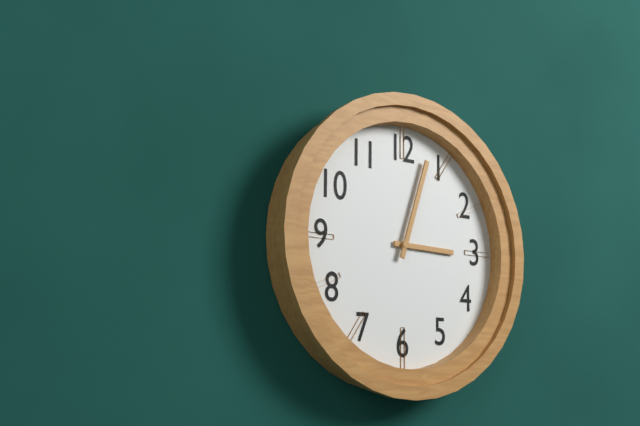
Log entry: 3:03
